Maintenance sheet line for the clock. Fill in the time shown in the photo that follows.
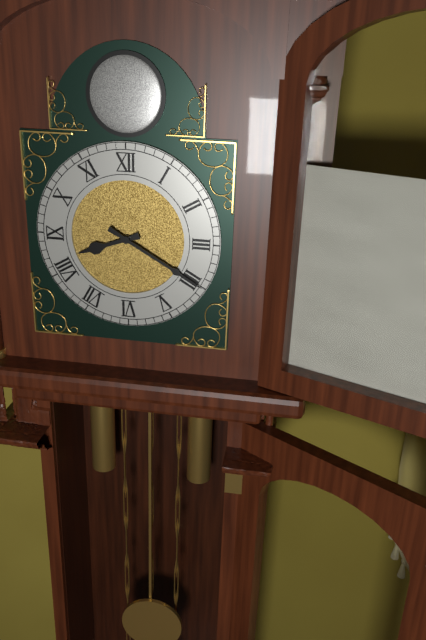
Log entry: 8:20
